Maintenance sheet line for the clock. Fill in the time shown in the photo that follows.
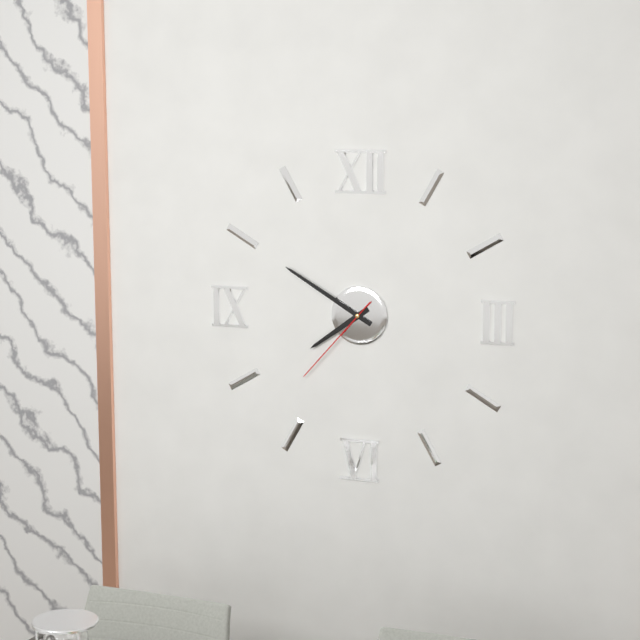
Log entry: 7:50:37
